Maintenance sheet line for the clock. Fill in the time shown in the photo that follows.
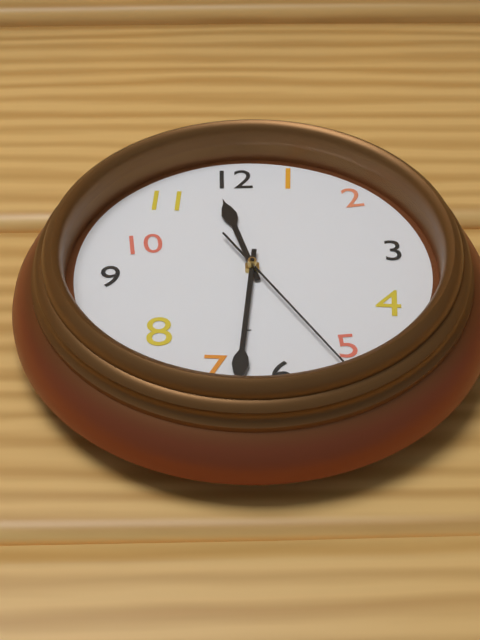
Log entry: 11:31:25
